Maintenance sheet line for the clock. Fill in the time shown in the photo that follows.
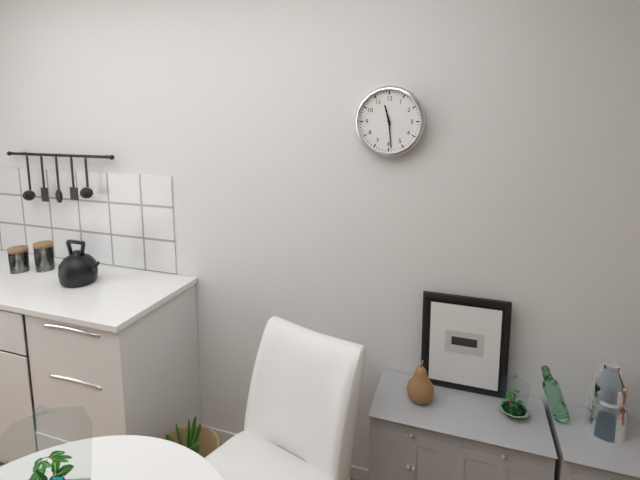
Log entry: 11:29
